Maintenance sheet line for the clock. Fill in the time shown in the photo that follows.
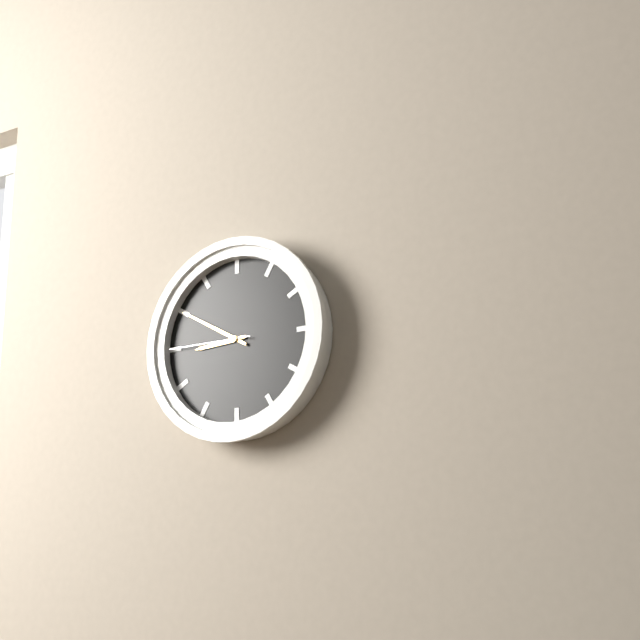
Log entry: 8:50:45
